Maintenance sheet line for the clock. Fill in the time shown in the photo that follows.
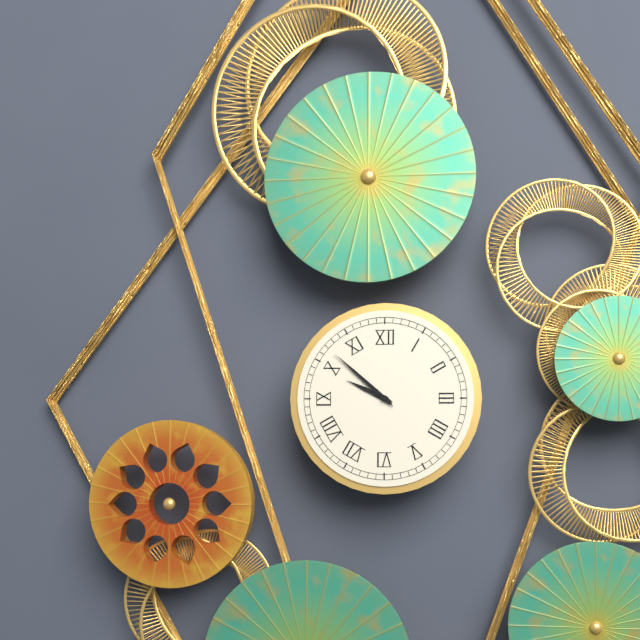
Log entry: 9:52
